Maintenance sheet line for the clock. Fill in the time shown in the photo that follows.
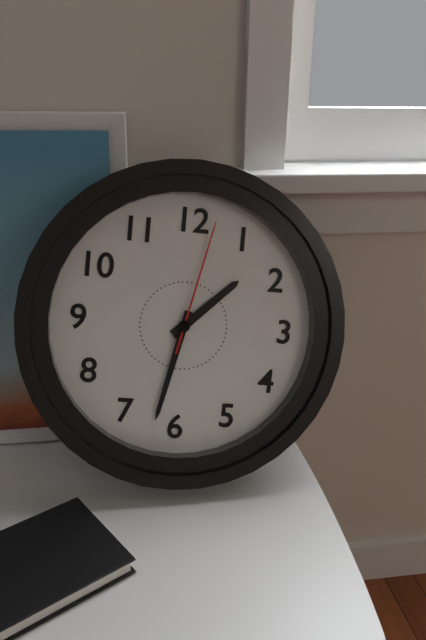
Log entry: 1:32:02
